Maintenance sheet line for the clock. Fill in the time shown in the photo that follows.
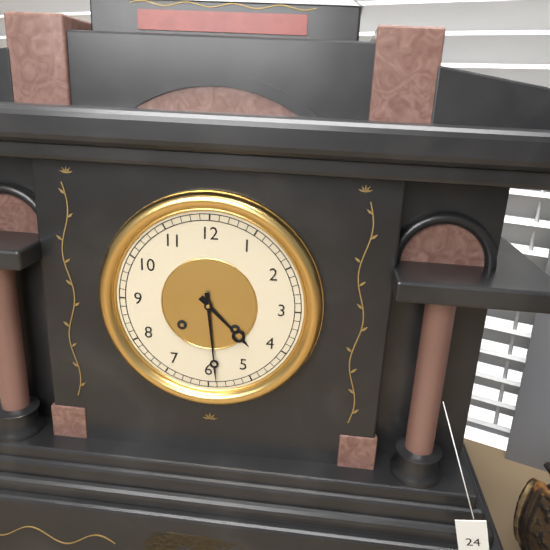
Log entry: 4:29
